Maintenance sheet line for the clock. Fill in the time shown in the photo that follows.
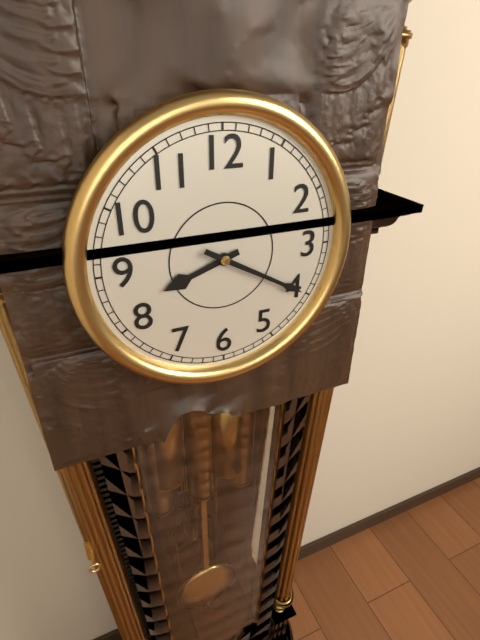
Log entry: 8:20
